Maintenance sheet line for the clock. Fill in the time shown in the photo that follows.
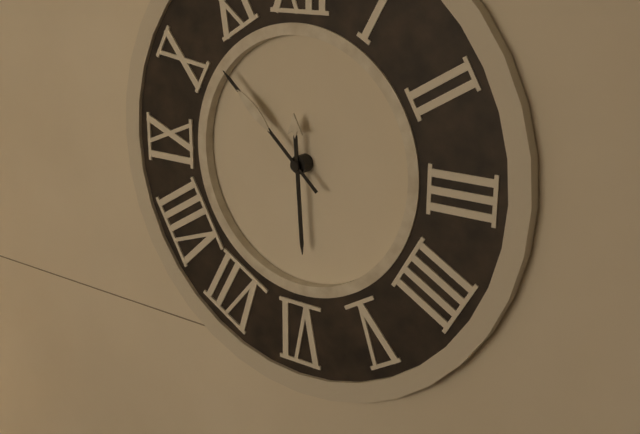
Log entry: 5:52
